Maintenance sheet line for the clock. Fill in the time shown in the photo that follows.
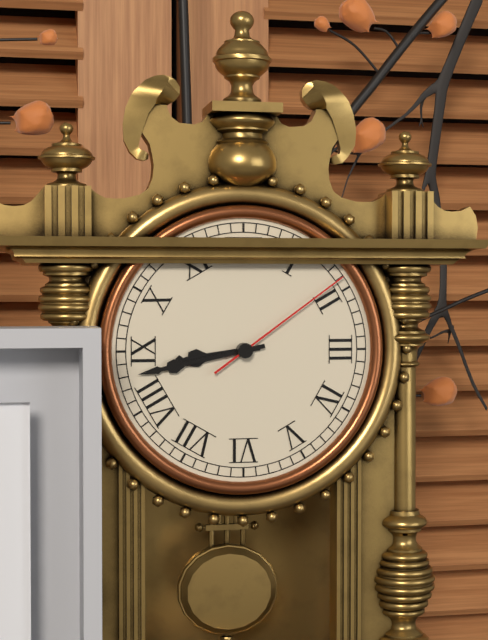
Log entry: 8:43:09
